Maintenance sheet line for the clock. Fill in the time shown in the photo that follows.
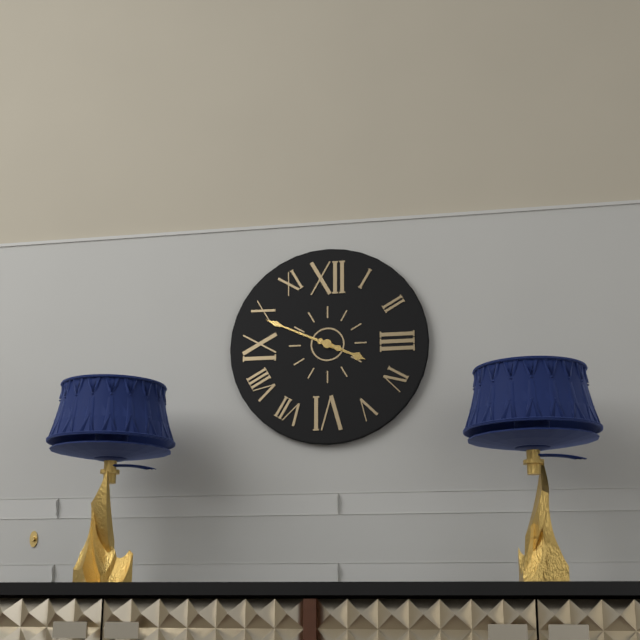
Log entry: 3:49
